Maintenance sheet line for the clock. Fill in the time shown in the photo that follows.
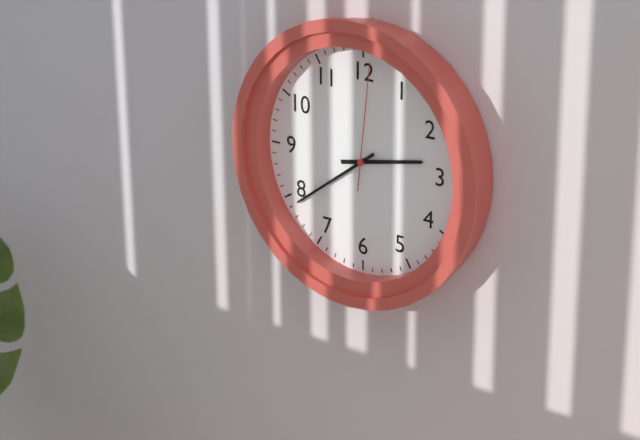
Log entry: 2:39:01
